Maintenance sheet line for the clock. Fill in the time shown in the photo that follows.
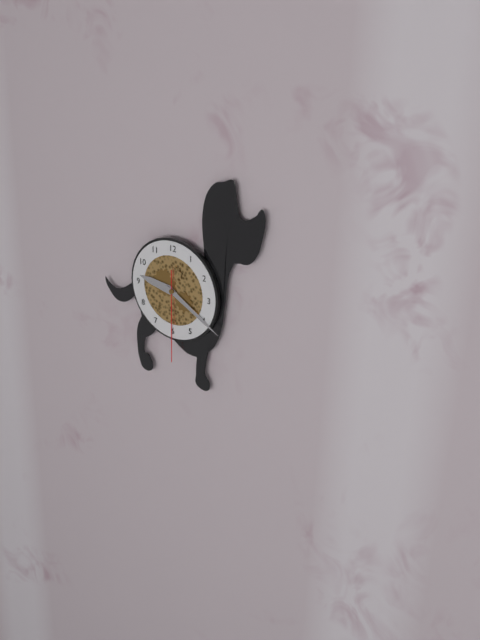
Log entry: 9:20:30
